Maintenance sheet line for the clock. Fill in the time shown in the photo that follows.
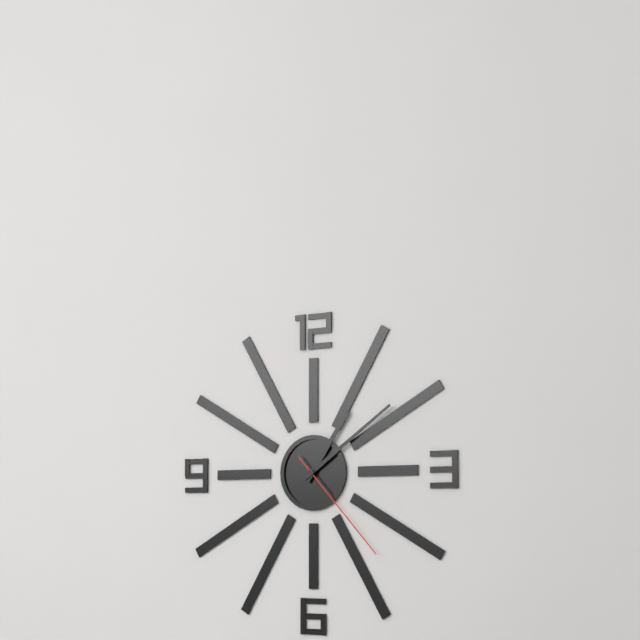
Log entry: 1:09:23
